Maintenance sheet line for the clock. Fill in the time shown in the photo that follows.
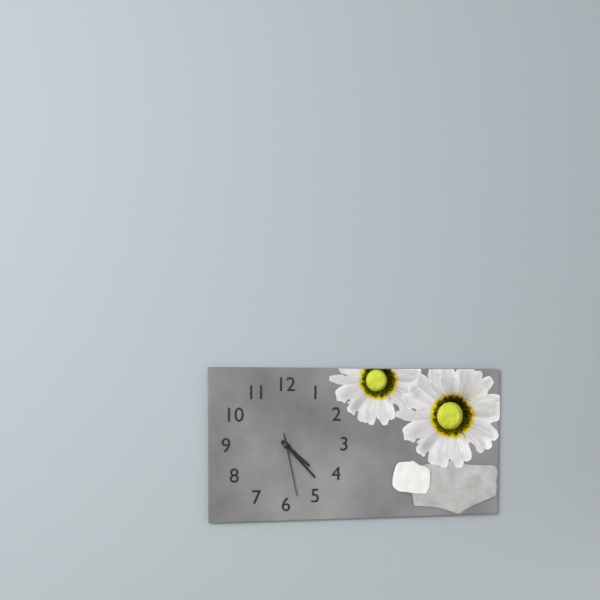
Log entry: 4:23:28
